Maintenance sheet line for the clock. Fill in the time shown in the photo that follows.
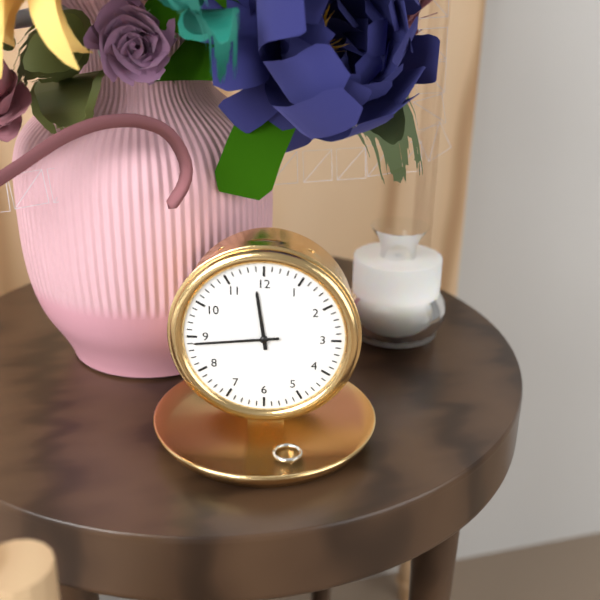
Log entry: 11:44
